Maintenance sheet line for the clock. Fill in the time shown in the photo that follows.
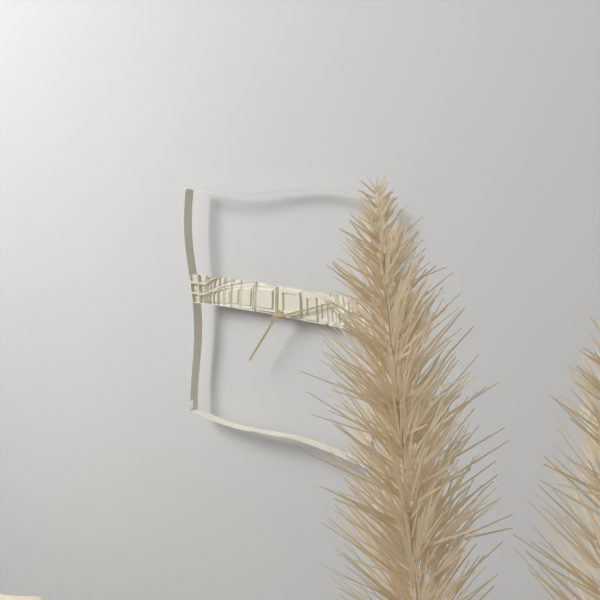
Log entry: 7:12
